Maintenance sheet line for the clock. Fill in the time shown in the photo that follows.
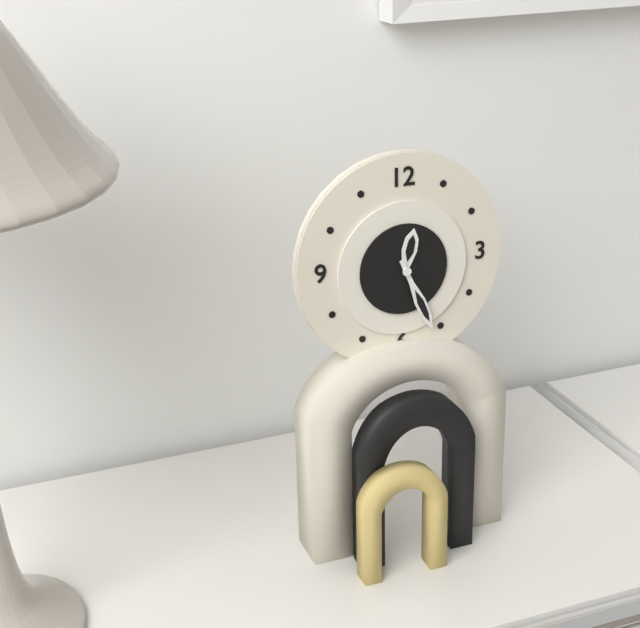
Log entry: 12:26
